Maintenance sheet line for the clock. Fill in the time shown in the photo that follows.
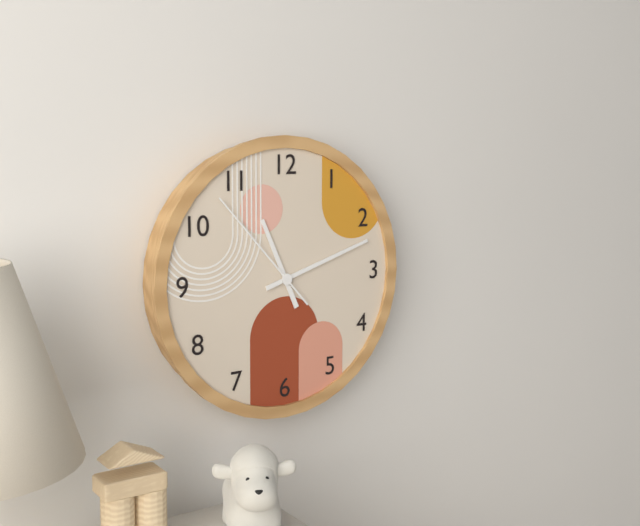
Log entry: 11:12:53
